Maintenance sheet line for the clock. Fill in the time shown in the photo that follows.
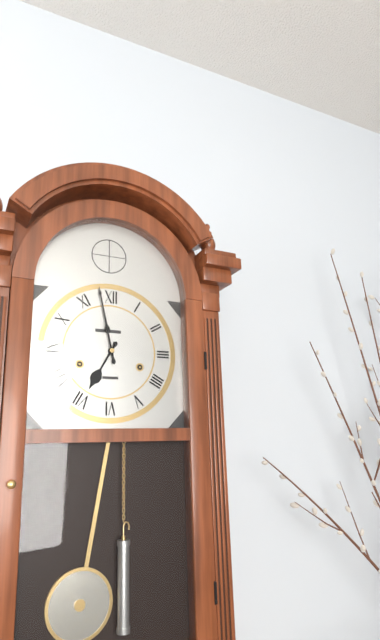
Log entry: 6:58
